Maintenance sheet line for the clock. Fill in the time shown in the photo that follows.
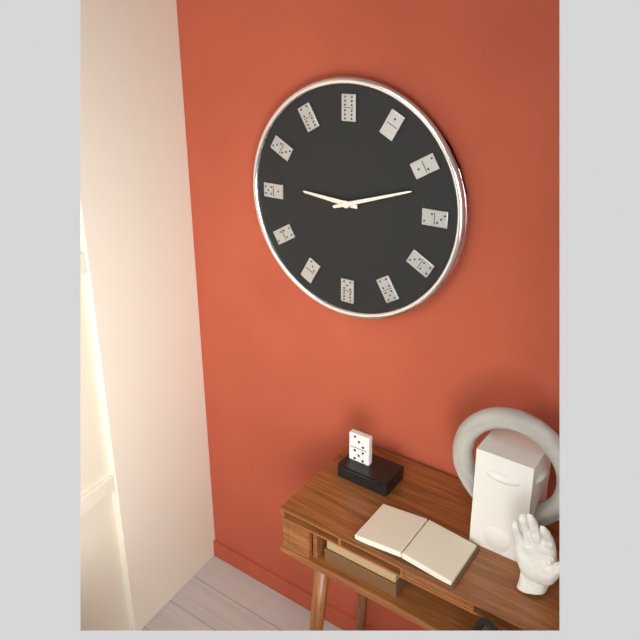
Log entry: 9:12
